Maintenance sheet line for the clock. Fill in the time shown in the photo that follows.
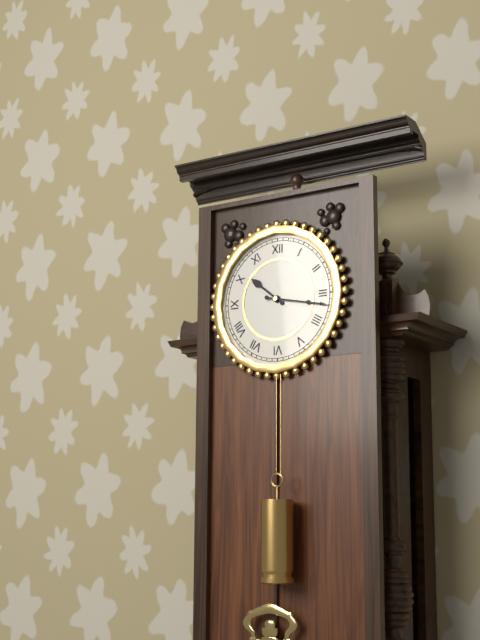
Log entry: 10:17
